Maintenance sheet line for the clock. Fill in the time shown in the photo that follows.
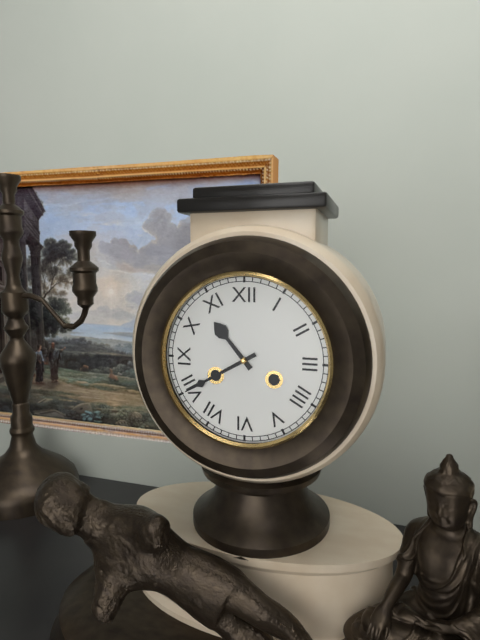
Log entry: 10:40
